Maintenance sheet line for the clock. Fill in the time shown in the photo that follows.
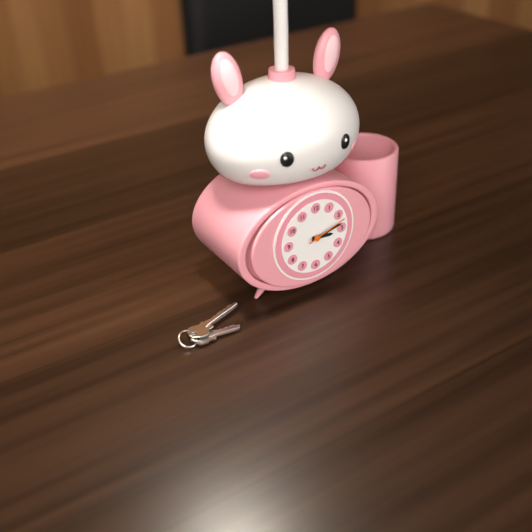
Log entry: 3:13
